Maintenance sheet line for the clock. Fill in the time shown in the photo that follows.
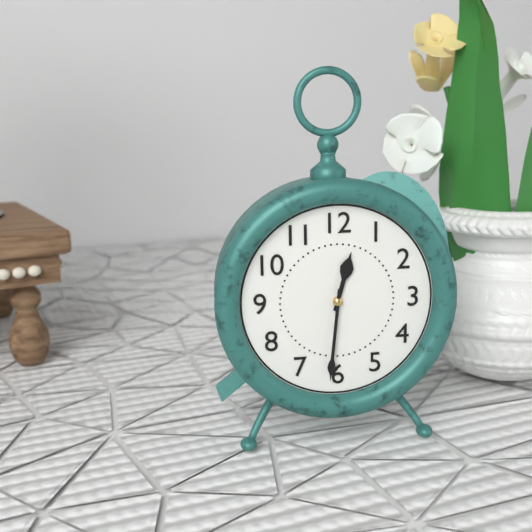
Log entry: 12:31
